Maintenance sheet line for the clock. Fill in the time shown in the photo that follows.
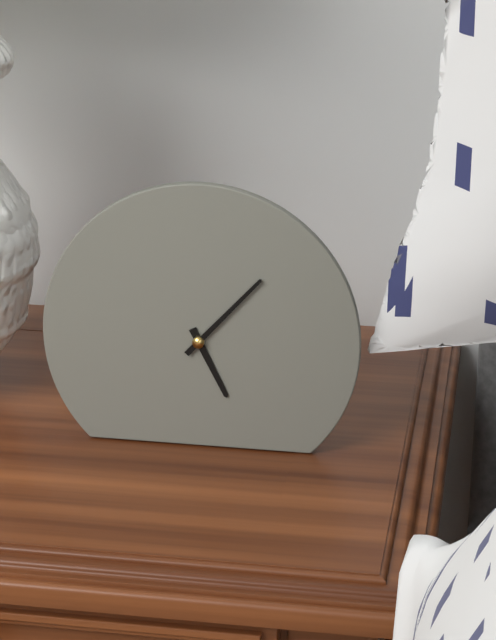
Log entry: 5:07
